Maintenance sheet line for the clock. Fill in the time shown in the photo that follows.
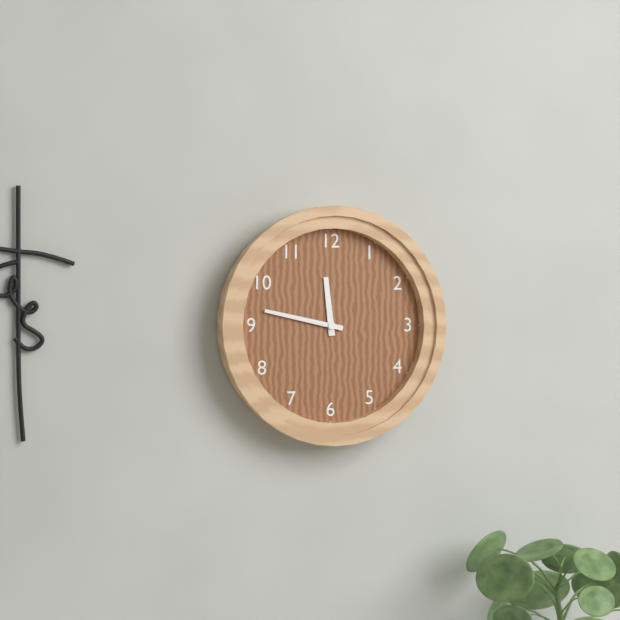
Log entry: 11:47
